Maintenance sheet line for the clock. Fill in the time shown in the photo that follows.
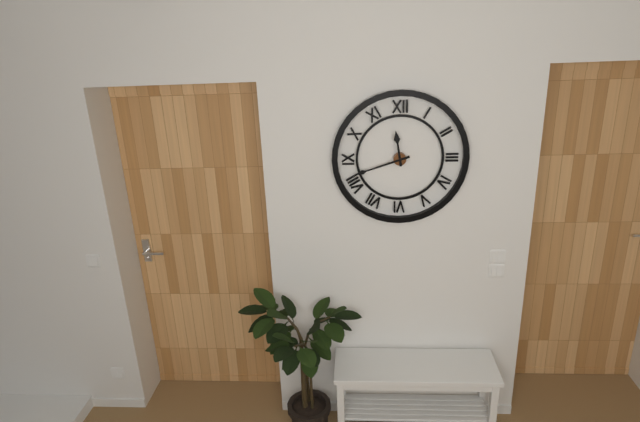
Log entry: 11:42
